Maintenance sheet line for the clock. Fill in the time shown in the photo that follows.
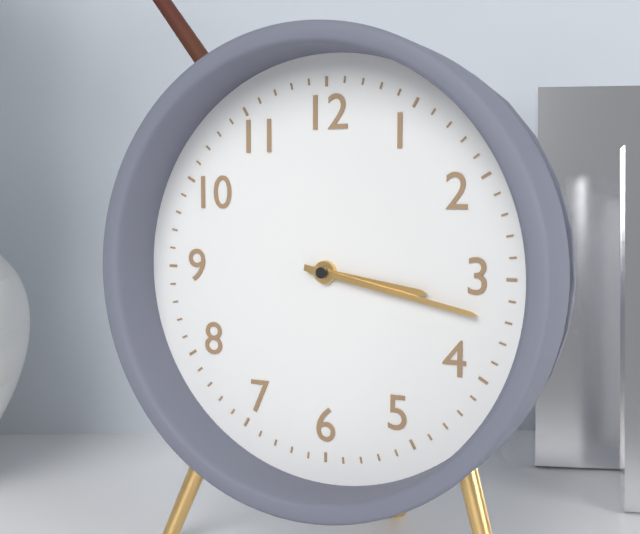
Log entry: 3:17
